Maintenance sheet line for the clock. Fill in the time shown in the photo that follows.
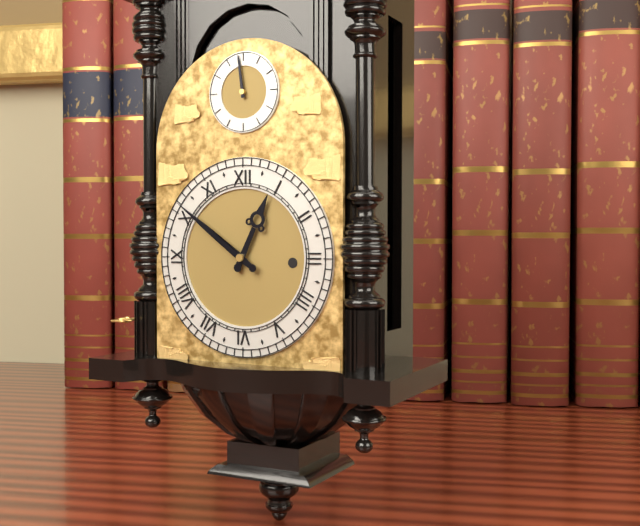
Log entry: 12:51
